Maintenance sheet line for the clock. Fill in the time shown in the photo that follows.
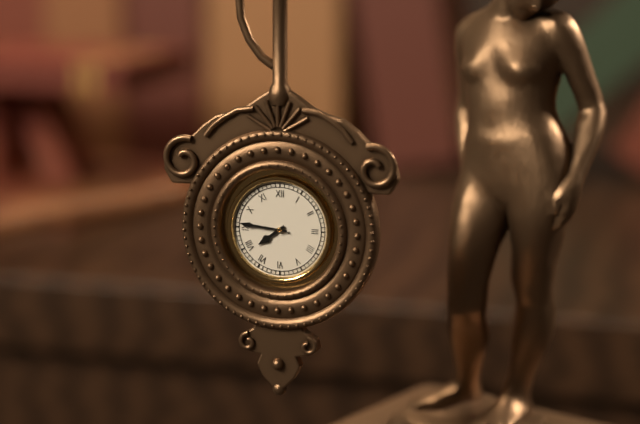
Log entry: 7:46
